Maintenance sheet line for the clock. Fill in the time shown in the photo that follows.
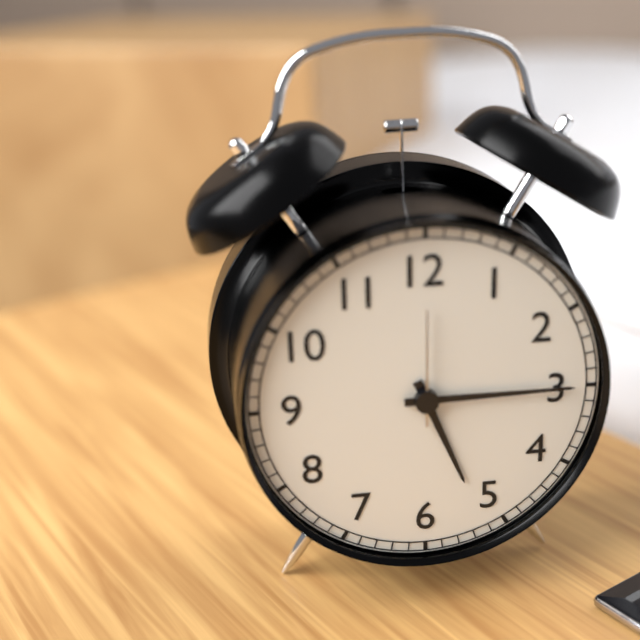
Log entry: 5:15:00
